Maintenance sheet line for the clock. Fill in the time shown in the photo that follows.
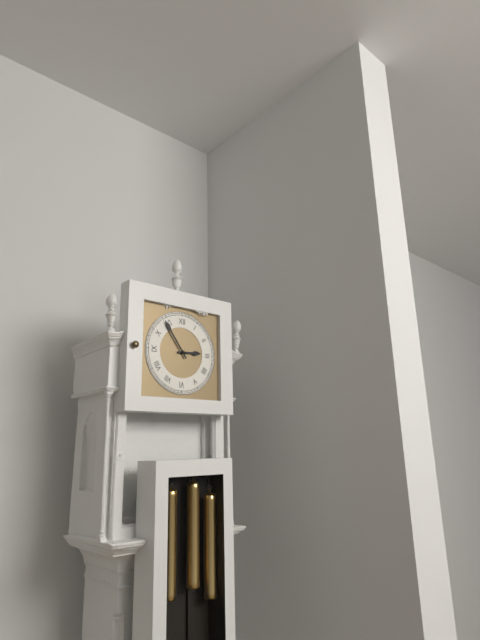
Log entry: 2:54
